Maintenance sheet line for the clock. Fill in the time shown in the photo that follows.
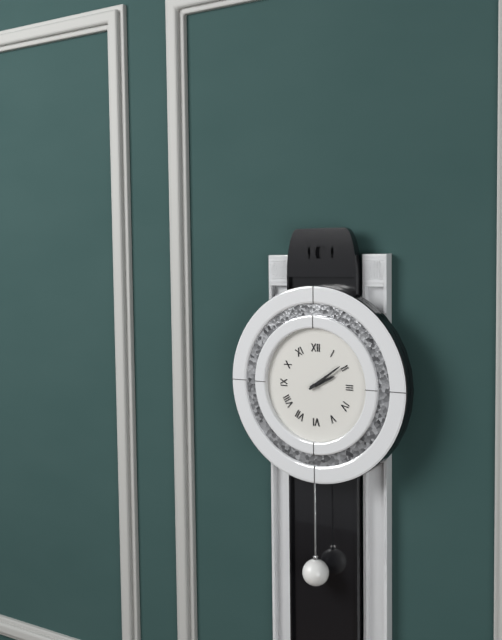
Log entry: 2:09
